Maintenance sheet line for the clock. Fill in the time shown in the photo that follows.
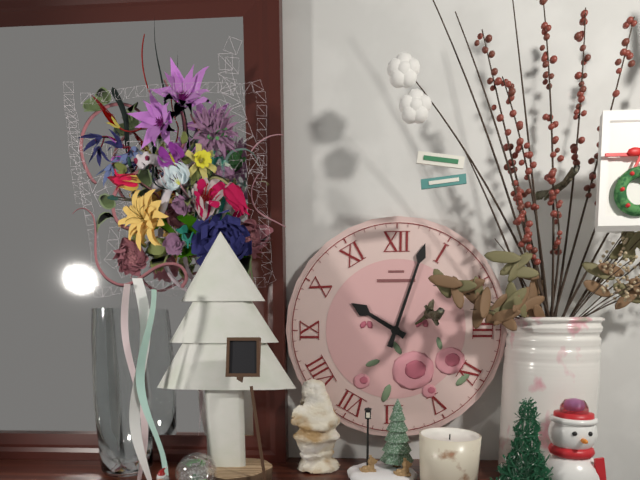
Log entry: 10:03
